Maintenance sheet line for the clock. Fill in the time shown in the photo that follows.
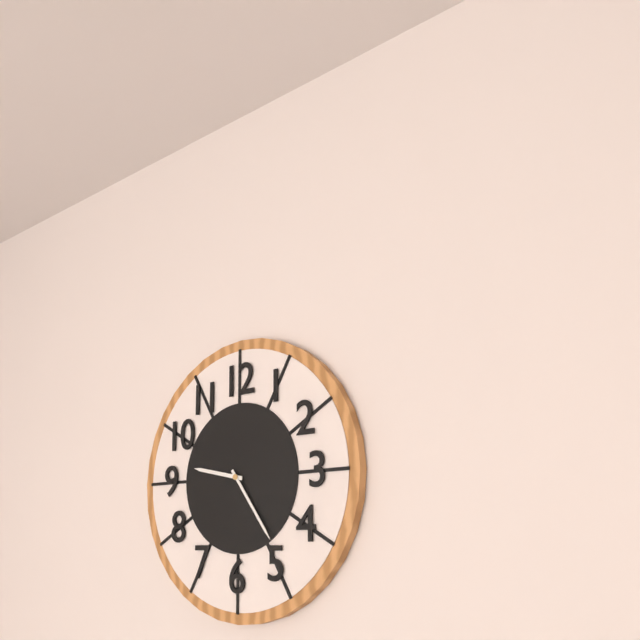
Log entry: 9:24
